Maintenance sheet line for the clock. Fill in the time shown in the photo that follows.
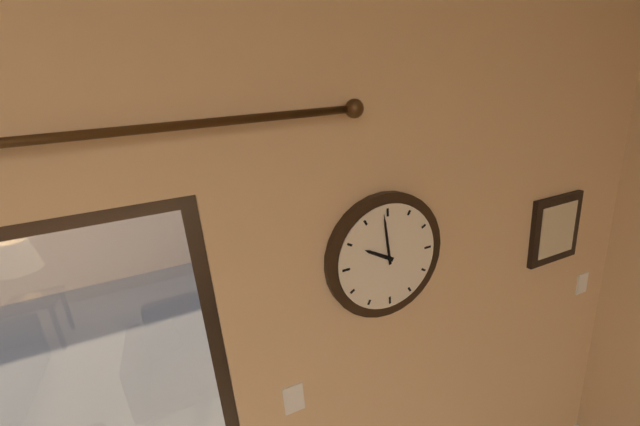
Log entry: 9:59
